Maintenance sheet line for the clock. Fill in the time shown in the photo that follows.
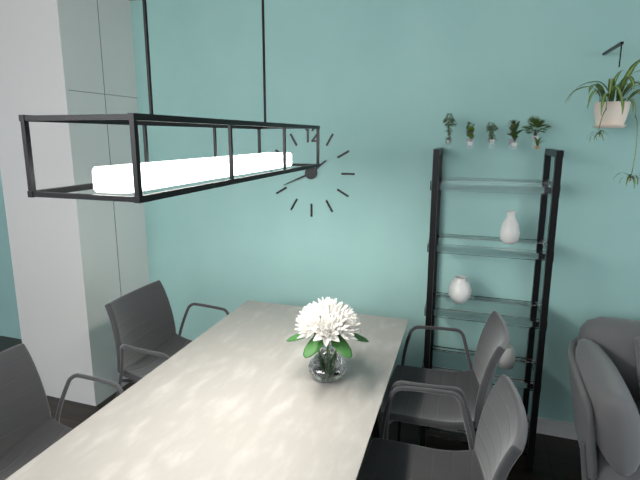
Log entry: 1:41
